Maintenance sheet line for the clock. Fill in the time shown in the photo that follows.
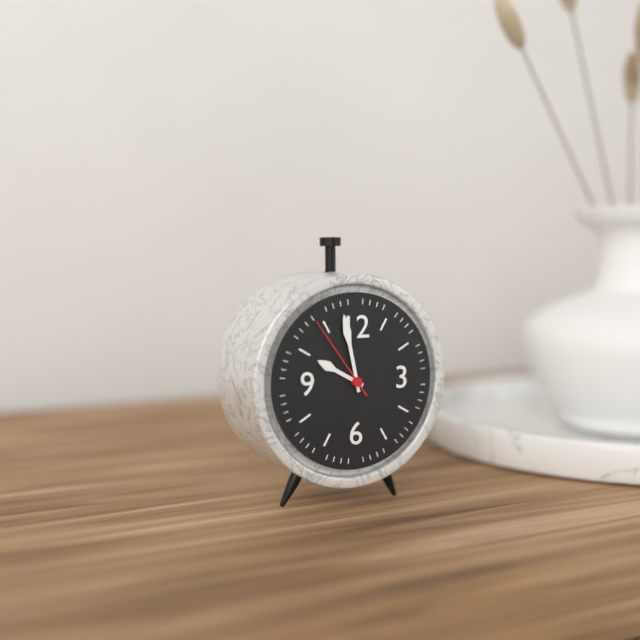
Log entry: 9:58:54
